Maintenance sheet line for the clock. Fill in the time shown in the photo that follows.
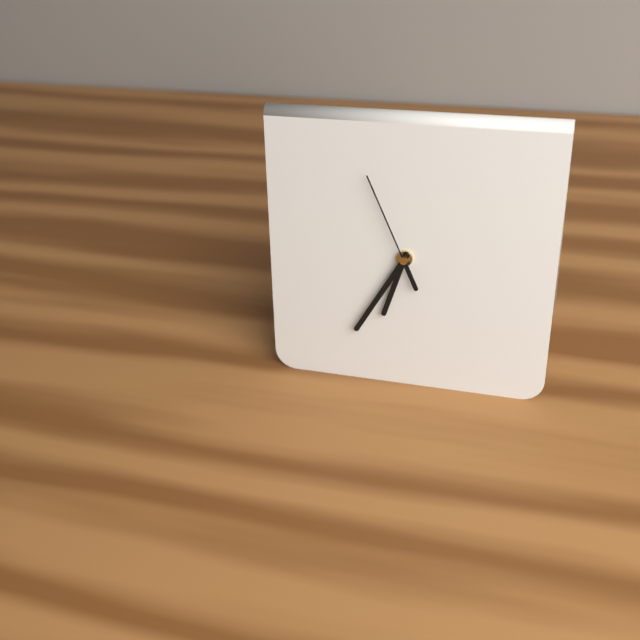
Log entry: 6:35:56
